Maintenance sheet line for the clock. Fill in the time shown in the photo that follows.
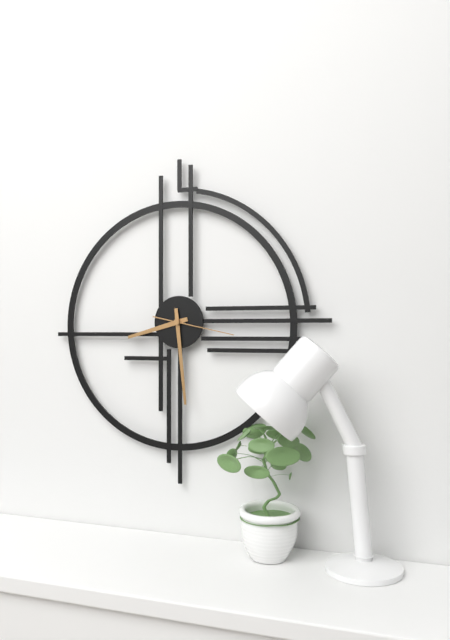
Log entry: 8:29:17
